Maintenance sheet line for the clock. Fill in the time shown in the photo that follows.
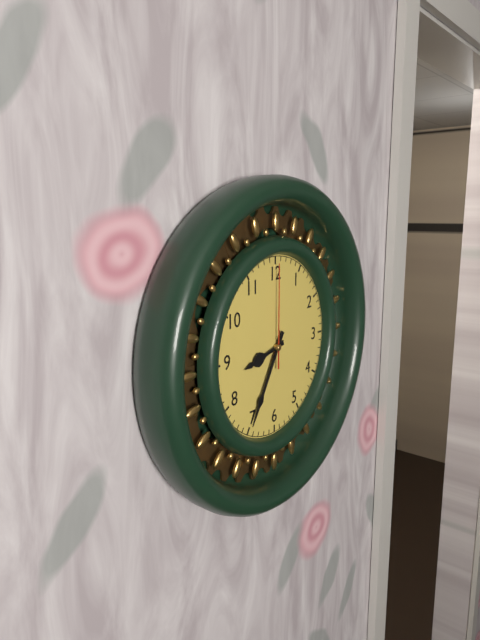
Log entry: 8:35:00
